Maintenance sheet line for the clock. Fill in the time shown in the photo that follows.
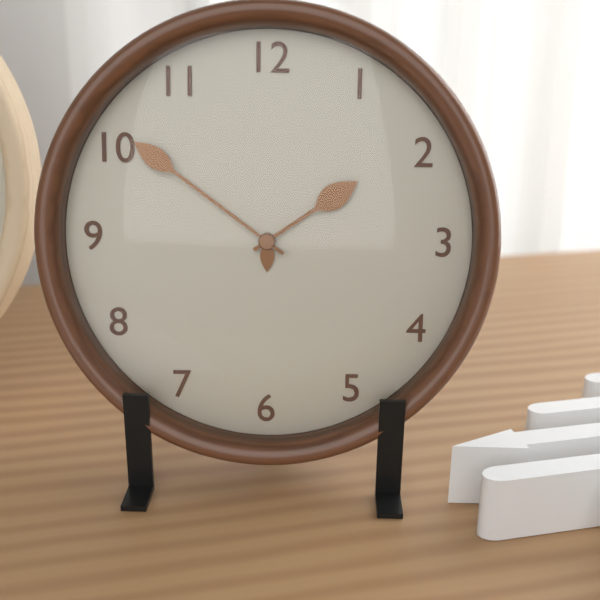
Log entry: 1:51
